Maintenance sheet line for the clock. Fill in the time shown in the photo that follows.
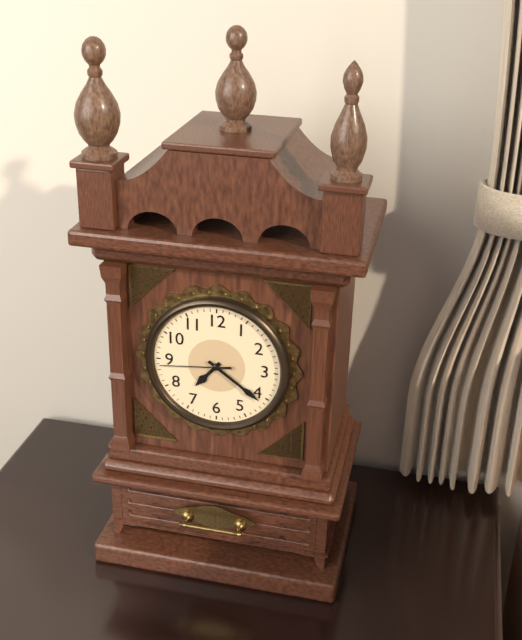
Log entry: 7:21:44
